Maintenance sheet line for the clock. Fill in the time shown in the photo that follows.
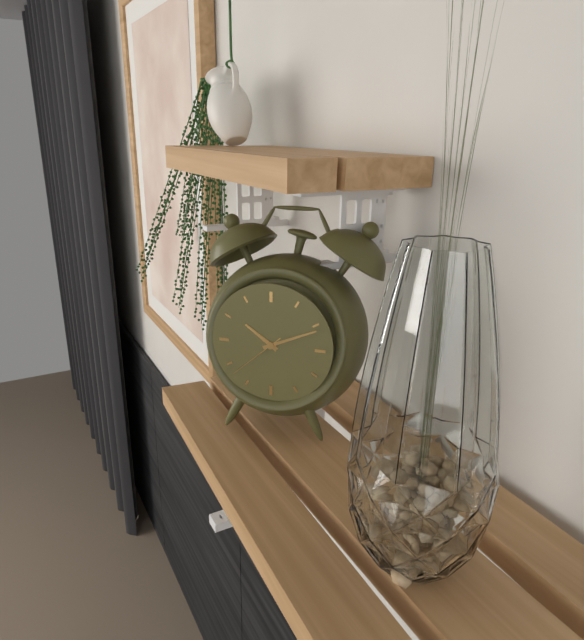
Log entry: 10:11:38
